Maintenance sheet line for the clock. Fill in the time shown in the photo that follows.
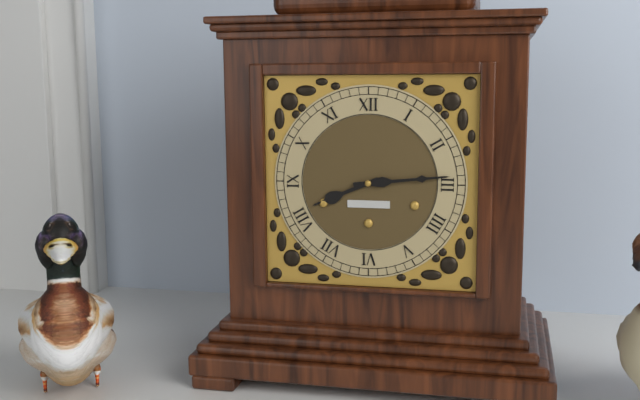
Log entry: 8:14
